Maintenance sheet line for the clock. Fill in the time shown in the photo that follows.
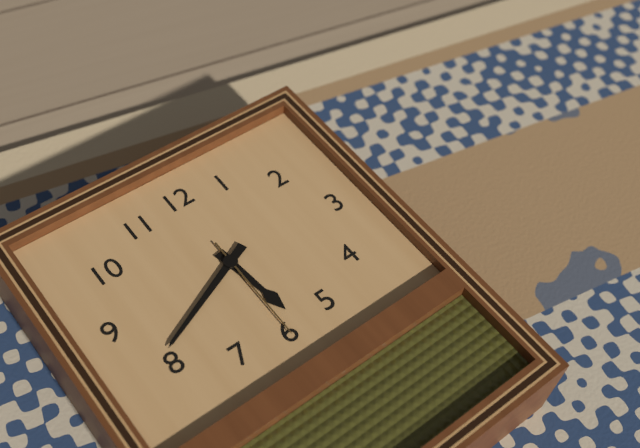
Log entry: 5:41:30
